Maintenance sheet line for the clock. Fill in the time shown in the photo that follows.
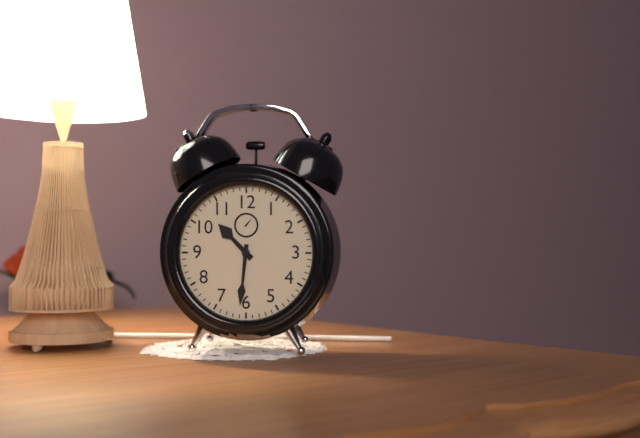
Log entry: 10:31
